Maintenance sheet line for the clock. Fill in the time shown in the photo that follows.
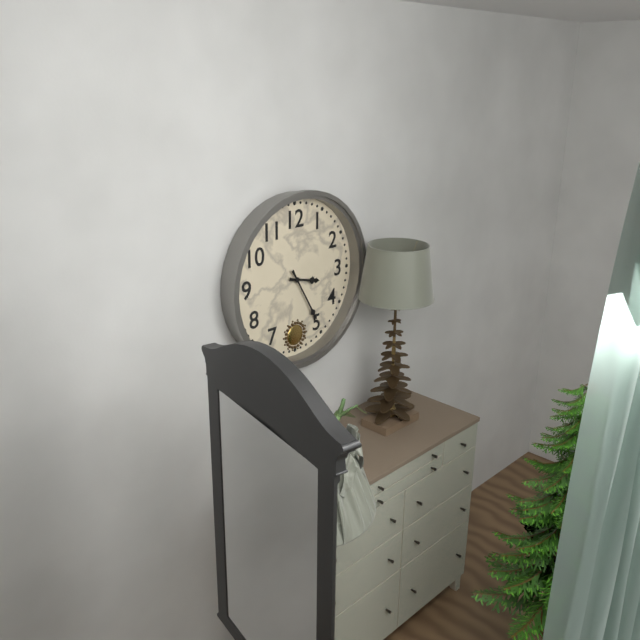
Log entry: 3:25
